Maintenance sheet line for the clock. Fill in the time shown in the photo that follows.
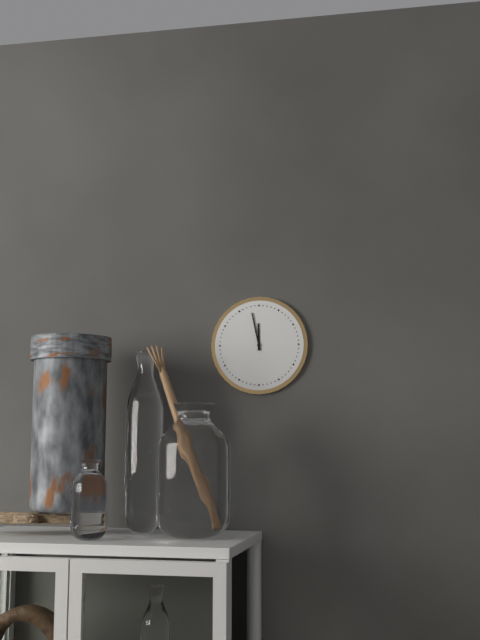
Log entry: 11:58
